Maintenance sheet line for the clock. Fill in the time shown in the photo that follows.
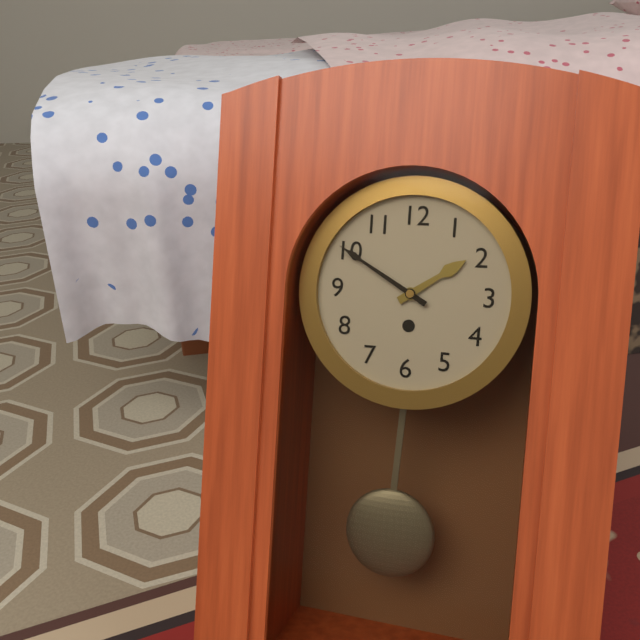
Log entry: 1:50
